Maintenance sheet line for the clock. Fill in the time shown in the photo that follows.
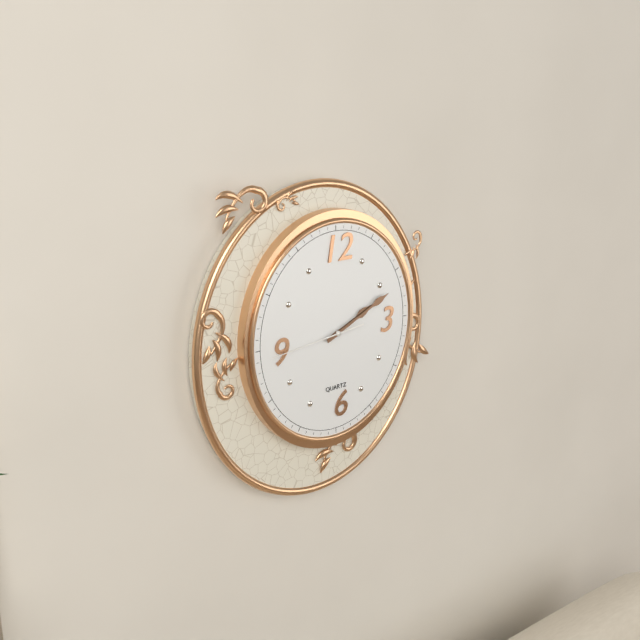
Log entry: 2:11:44
